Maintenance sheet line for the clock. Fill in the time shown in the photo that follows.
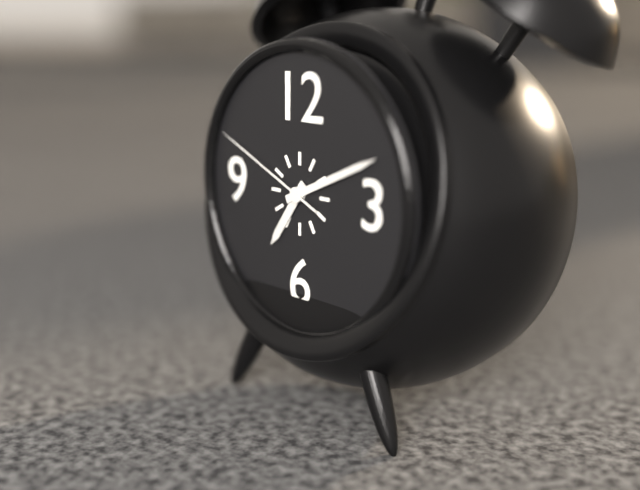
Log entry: 7:11:49
